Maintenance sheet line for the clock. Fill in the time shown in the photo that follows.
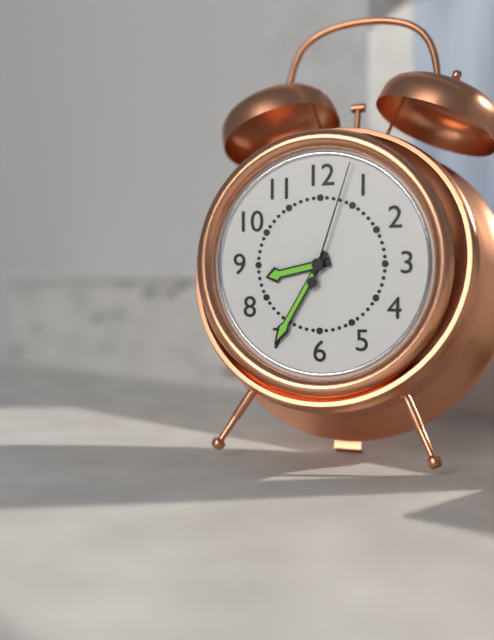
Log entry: 8:35:03
